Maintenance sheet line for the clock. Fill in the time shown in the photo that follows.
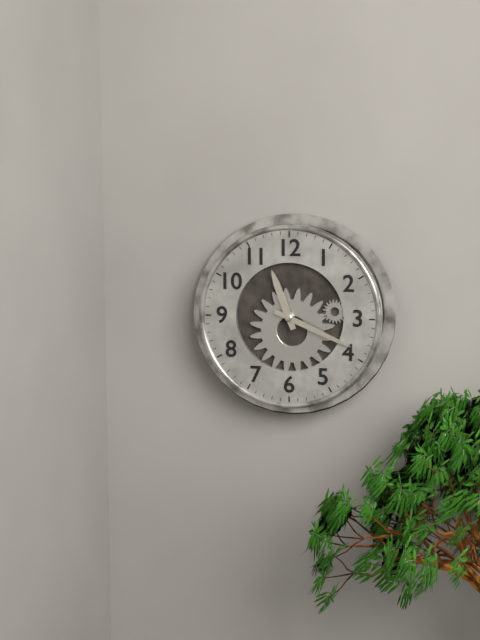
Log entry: 11:19
